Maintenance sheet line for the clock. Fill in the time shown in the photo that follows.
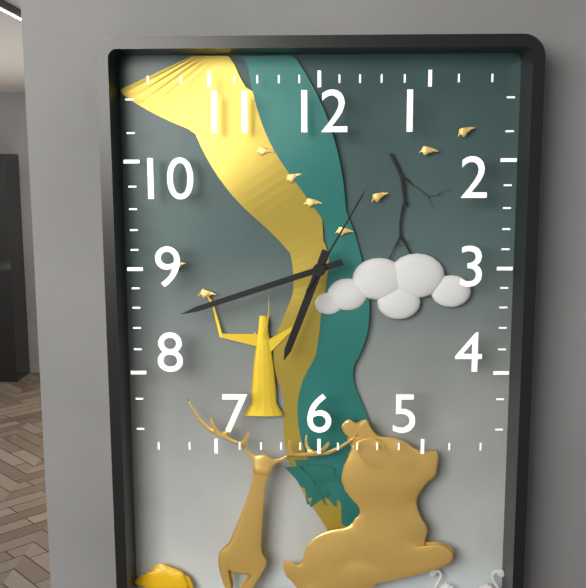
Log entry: 6:42:05
